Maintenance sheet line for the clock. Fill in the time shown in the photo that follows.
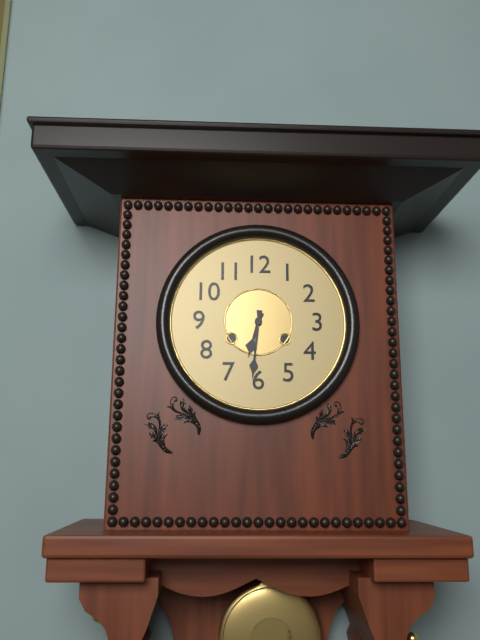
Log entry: 6:31
